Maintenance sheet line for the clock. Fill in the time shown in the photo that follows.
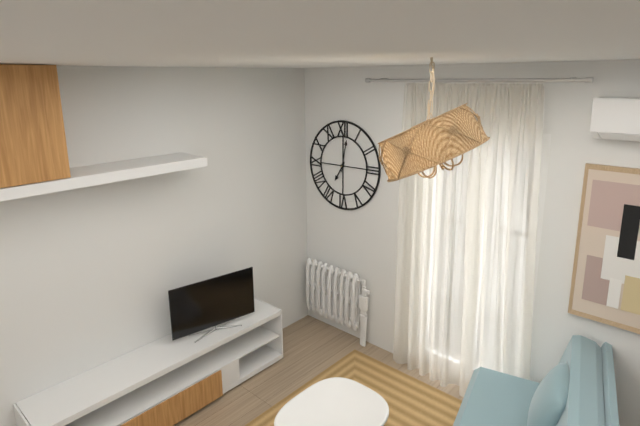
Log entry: 7:02
